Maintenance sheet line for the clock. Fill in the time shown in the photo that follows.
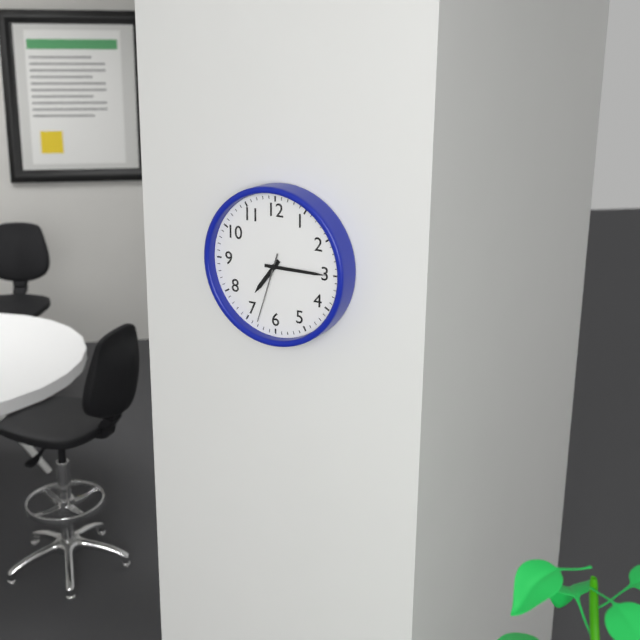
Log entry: 7:15:33
